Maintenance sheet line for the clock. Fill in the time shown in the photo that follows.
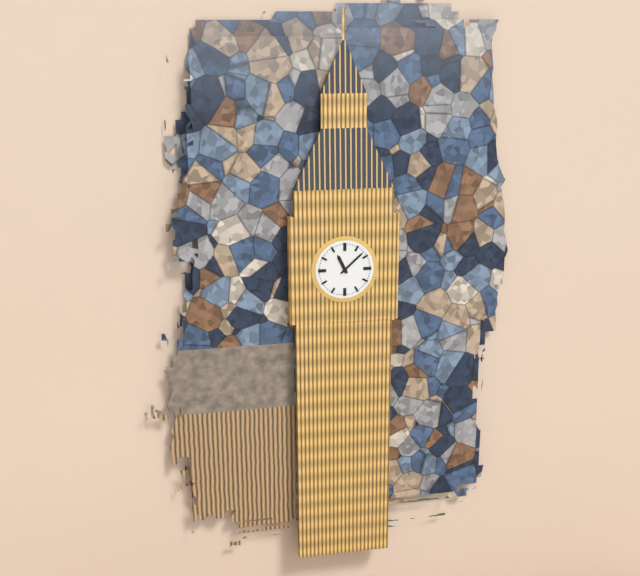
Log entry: 11:08
